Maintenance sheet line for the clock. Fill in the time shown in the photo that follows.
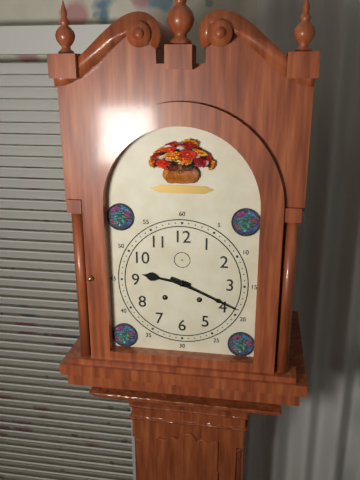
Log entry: 9:19
